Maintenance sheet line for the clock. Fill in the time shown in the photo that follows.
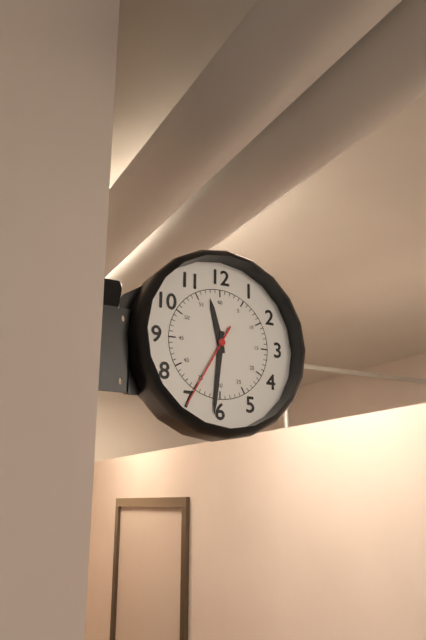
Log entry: 11:31:35
